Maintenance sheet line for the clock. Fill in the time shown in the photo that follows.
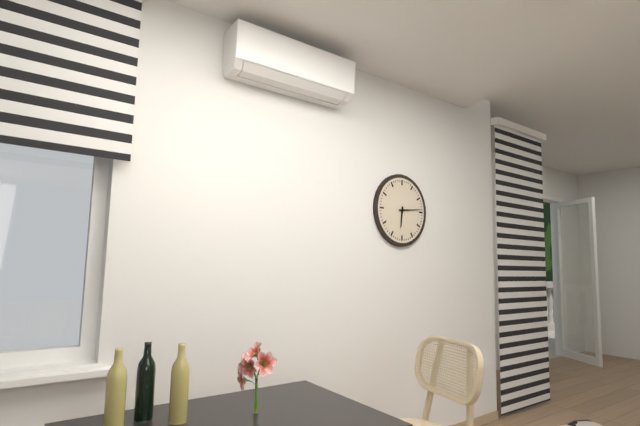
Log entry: 6:14
